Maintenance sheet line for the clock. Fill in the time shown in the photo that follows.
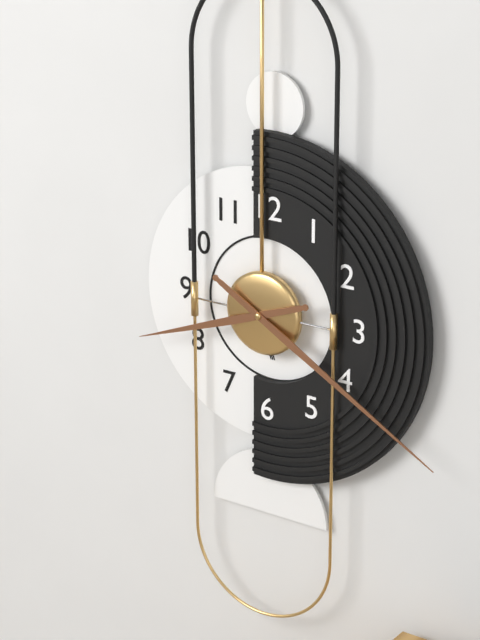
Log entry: 8:20
